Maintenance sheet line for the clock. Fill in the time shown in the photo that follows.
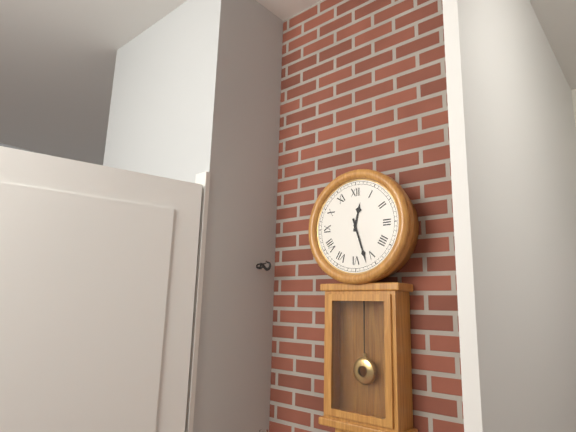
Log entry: 12:27
